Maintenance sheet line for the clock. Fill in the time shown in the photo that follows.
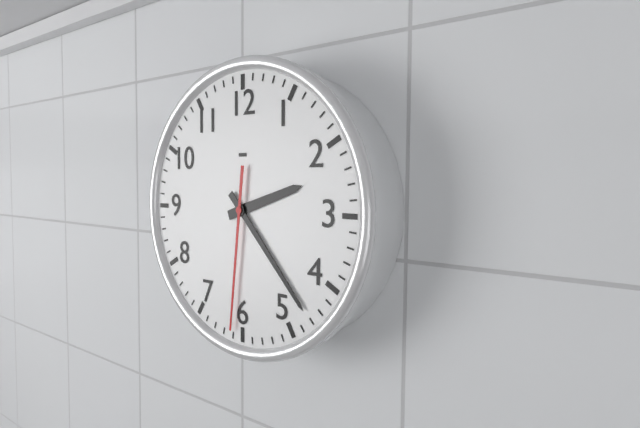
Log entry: 2:23:31
